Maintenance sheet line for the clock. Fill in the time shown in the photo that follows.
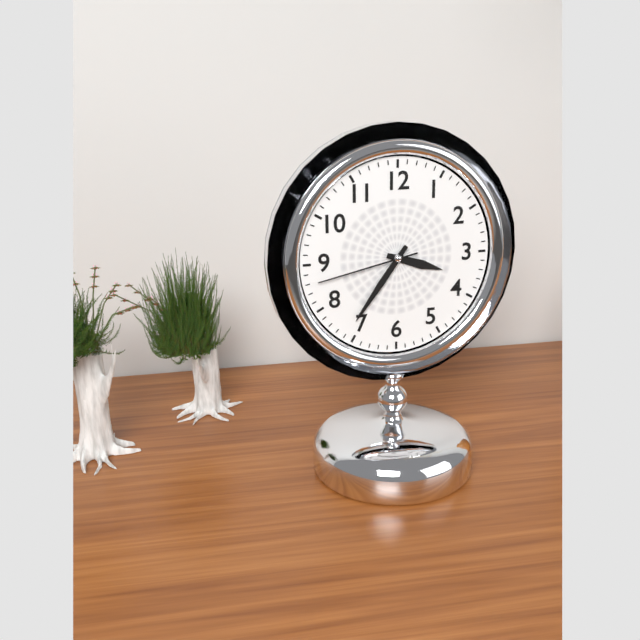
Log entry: 3:36:43
